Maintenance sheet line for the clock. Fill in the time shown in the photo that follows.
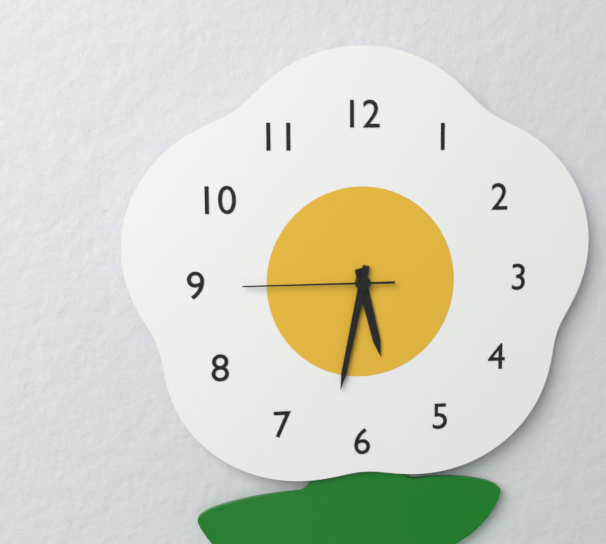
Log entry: 5:32:45
